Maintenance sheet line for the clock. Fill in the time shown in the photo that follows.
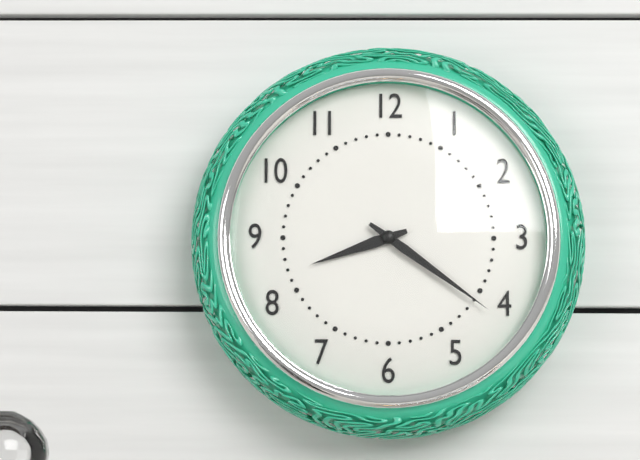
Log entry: 8:21
